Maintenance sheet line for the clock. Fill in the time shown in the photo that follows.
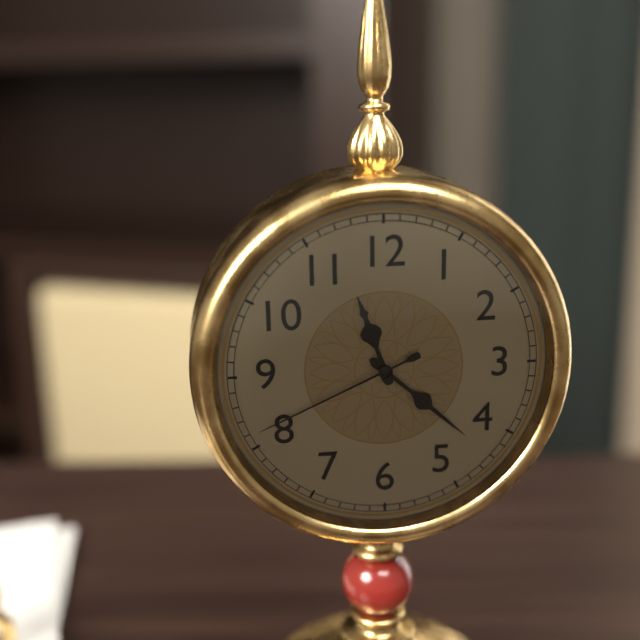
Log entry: 11:22:41
